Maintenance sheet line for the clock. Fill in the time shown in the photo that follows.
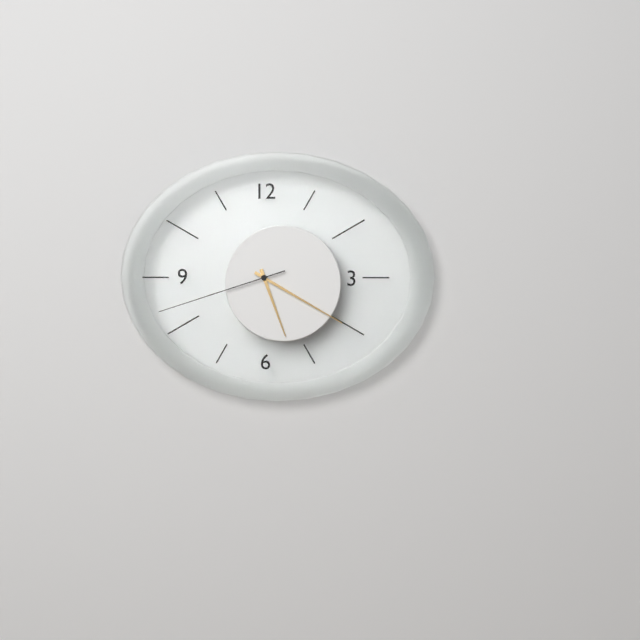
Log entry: 5:20:42
